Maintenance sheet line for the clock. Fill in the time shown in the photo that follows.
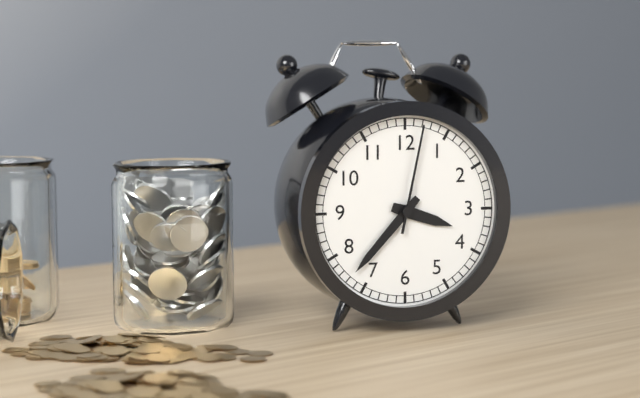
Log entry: 3:37:02
